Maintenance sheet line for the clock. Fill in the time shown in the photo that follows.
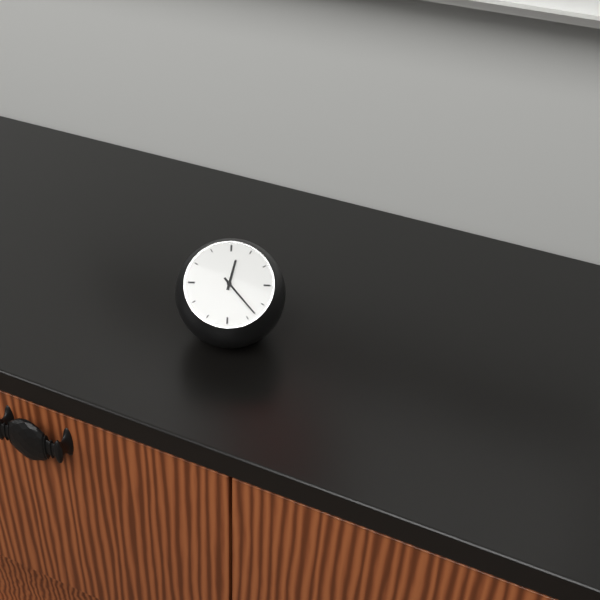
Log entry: 12:23
